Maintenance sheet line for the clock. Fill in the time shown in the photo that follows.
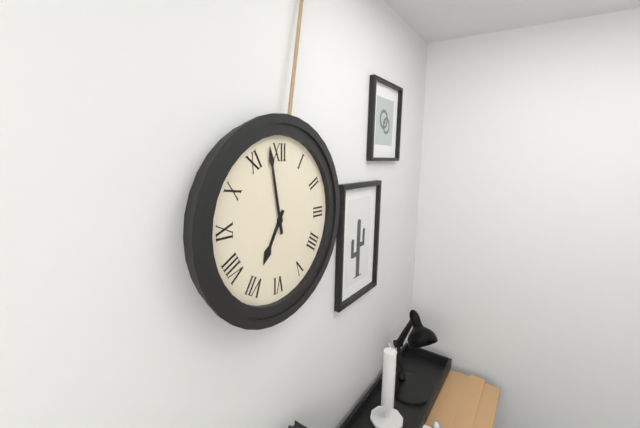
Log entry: 6:58
